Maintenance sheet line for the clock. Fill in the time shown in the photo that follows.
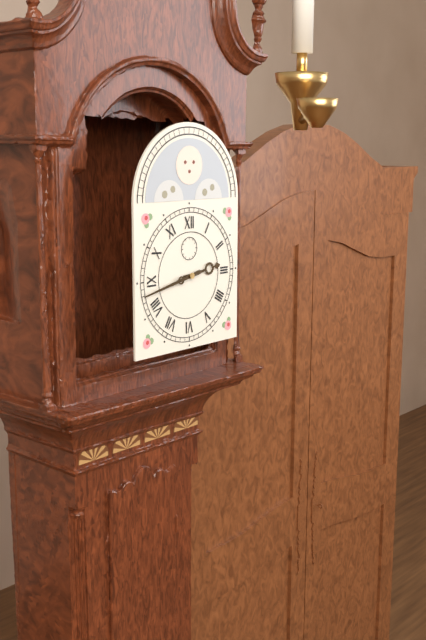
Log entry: 2:43
